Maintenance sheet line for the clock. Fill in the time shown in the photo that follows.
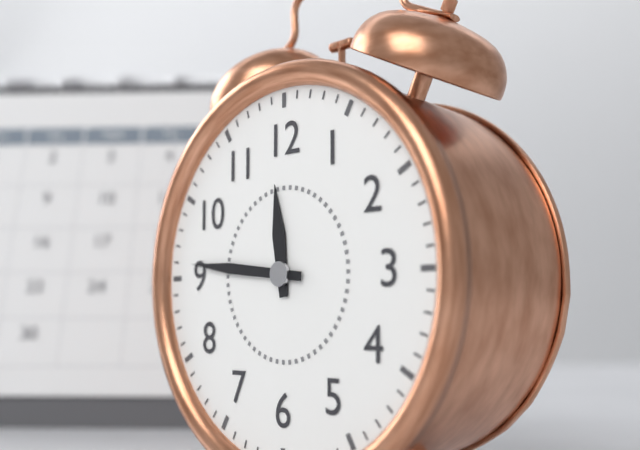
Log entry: 11:46
